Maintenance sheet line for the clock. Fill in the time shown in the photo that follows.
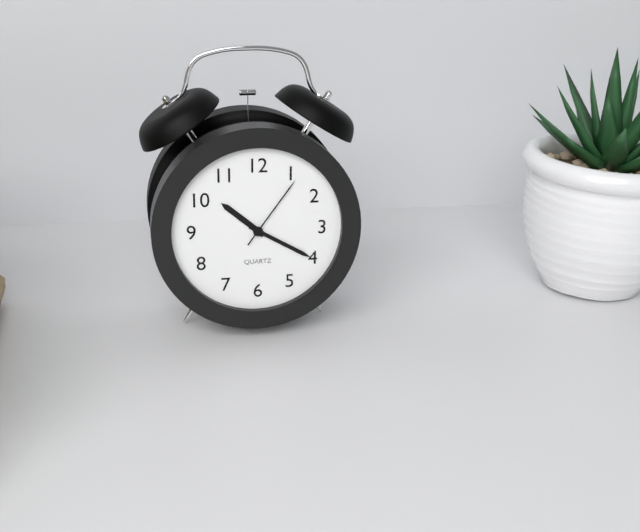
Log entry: 10:20:06
